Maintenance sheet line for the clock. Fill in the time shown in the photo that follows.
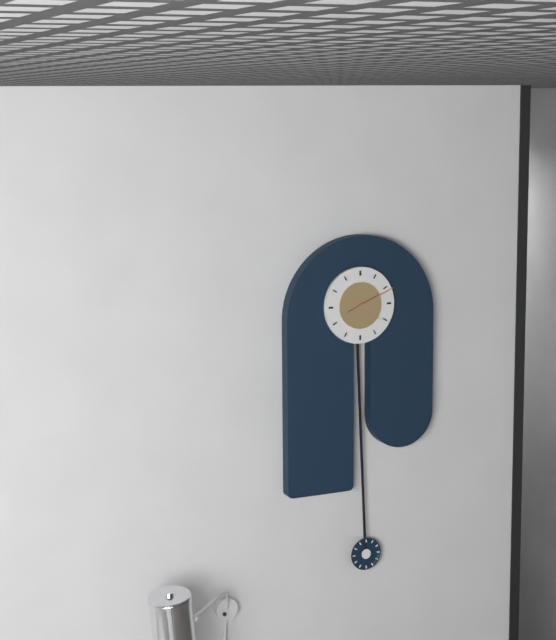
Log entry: 4:11
